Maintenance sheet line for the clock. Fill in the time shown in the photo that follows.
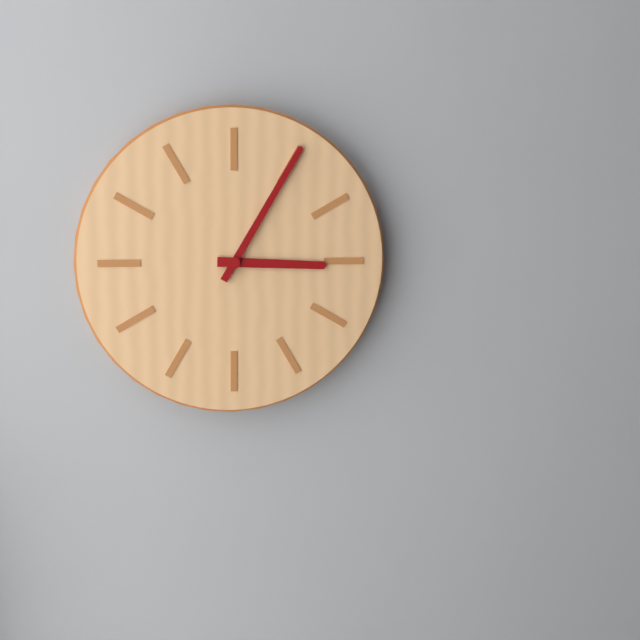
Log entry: 3:05
